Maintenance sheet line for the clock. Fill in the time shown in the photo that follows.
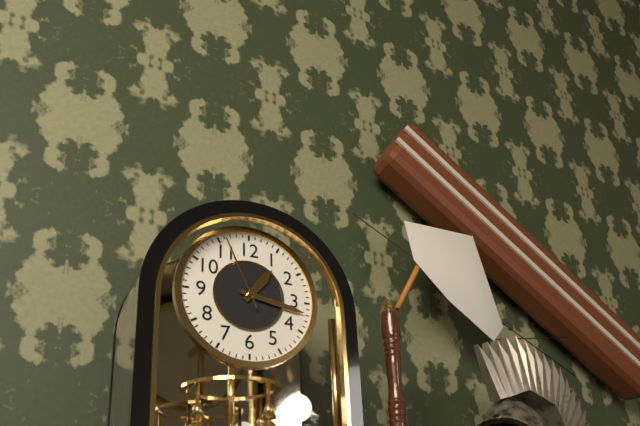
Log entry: 1:17:56
